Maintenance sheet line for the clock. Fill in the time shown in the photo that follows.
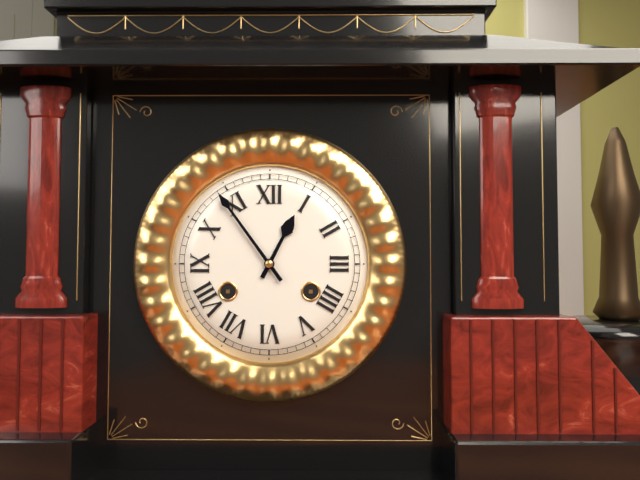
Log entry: 12:54
